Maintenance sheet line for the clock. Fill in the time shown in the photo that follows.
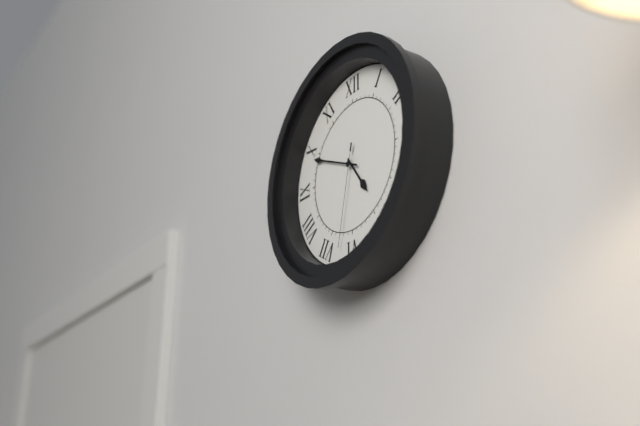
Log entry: 4:49:32
